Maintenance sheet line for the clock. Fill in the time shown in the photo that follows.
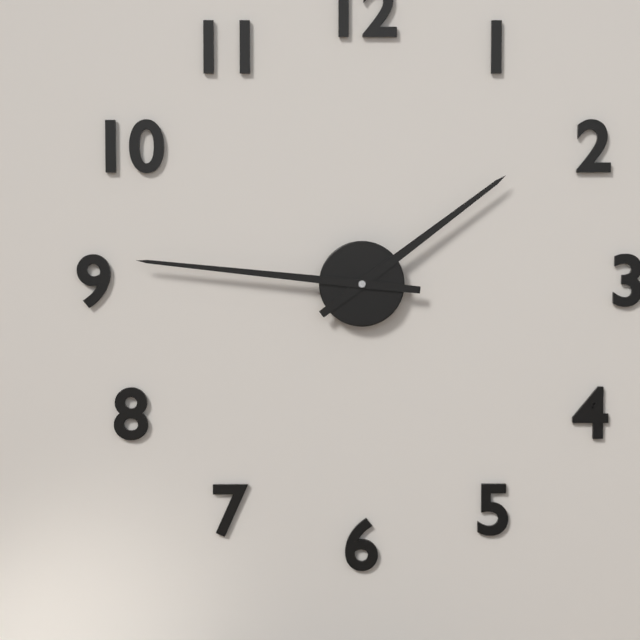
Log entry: 1:46
